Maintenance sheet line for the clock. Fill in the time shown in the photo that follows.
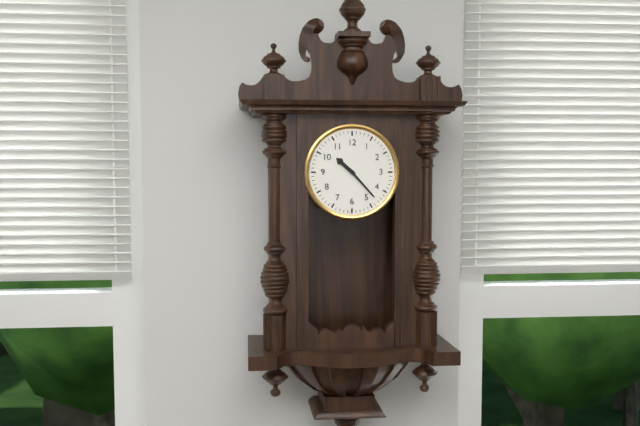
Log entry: 10:23
